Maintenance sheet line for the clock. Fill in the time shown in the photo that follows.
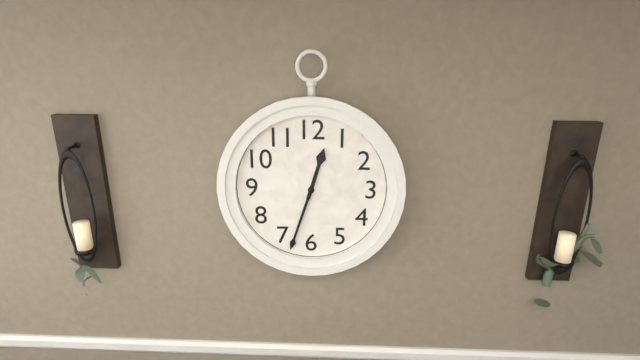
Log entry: 12:33
